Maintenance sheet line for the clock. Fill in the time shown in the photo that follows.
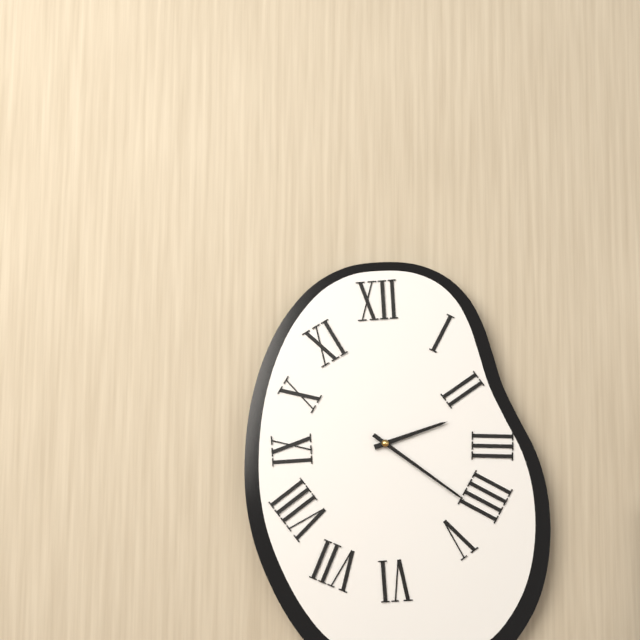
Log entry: 2:21
